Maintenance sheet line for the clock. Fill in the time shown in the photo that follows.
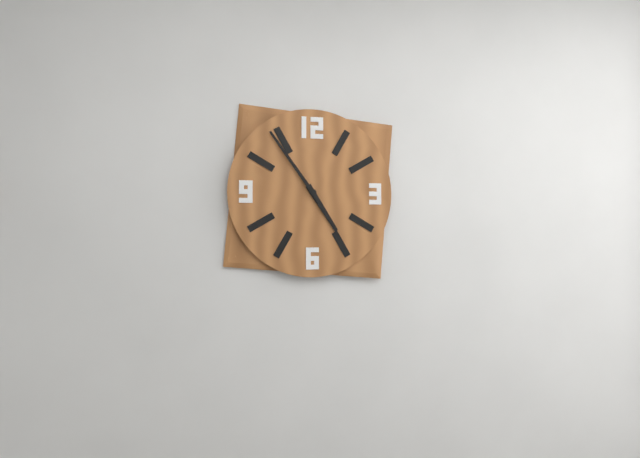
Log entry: 4:54
